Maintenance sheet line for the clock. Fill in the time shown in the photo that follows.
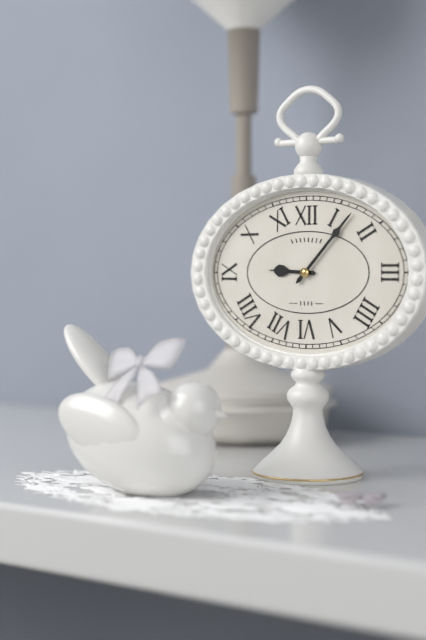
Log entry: 9:07
